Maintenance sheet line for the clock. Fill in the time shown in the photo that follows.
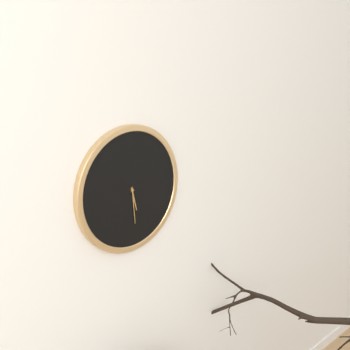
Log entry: 5:29
